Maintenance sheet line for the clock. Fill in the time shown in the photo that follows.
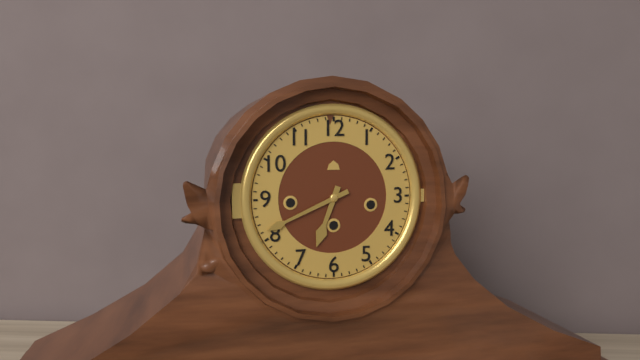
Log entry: 6:41
